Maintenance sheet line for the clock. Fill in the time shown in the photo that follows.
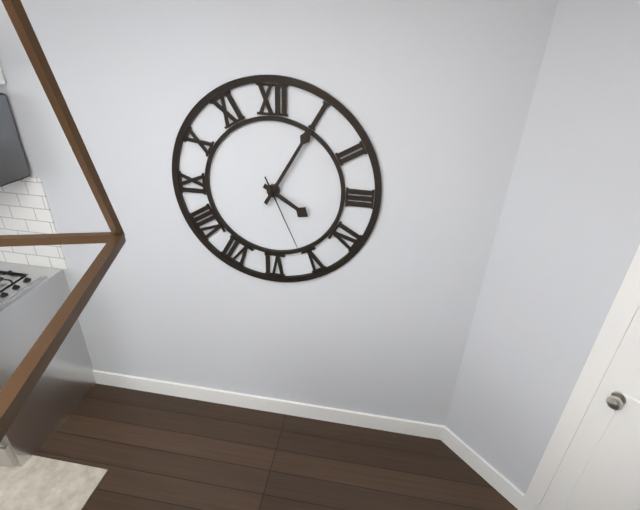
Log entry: 4:05:26
